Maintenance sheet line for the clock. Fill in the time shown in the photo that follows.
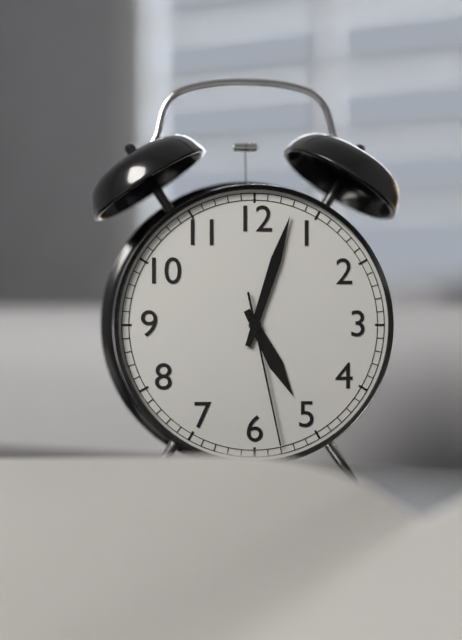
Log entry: 5:03:28
